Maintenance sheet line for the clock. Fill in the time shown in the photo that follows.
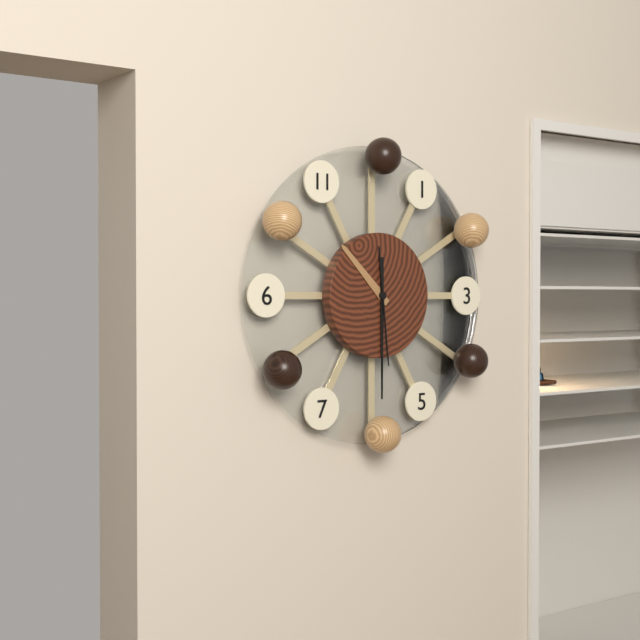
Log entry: 10:30:29
